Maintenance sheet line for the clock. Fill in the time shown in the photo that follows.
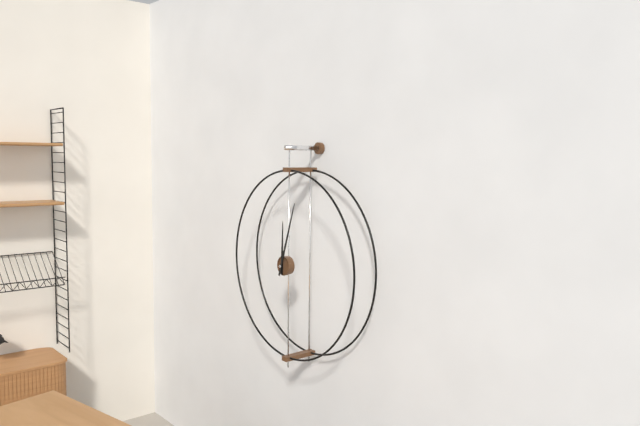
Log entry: 12:03
